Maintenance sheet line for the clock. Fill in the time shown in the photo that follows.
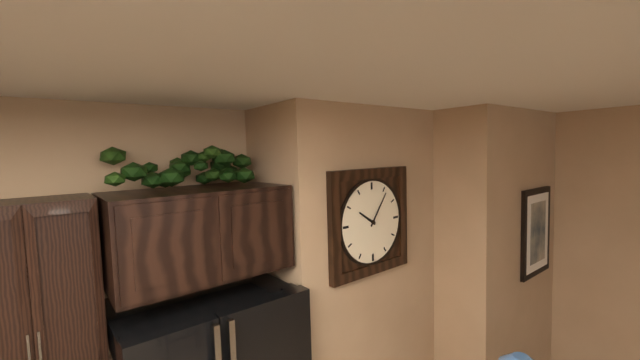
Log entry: 10:06
